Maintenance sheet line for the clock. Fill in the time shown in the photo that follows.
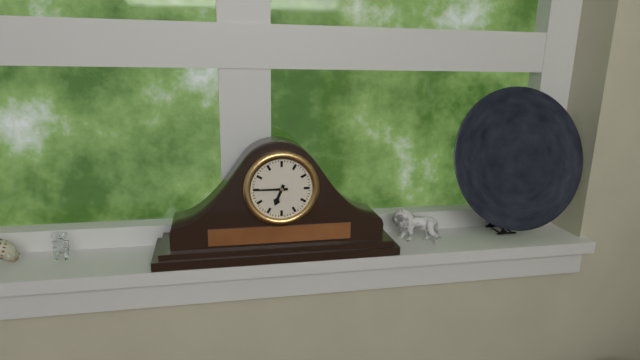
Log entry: 6:45
